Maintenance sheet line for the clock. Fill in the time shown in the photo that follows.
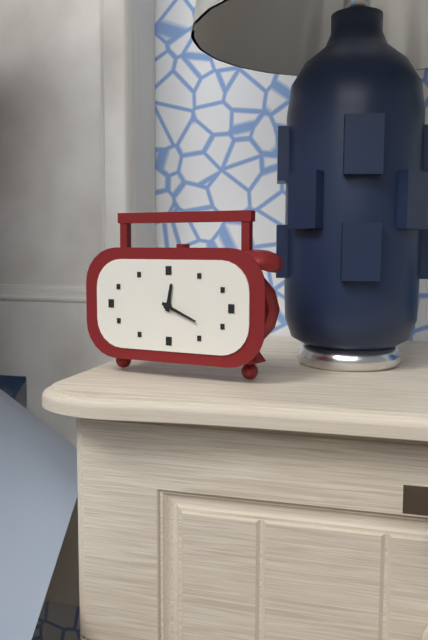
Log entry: 12:19
